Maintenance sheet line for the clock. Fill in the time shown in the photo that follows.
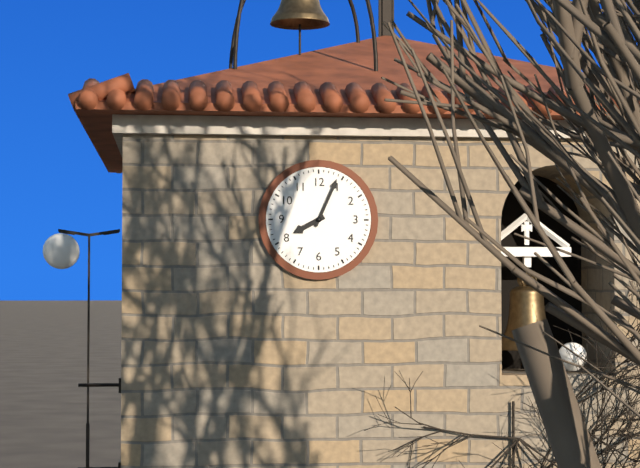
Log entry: 8:04
